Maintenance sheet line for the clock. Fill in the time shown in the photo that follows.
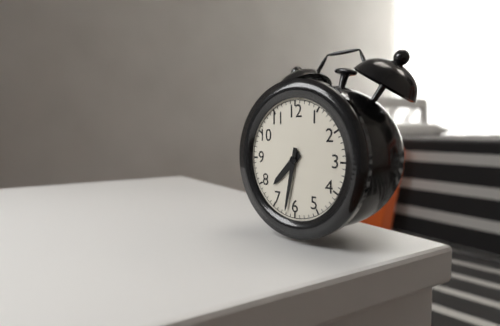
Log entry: 7:32
